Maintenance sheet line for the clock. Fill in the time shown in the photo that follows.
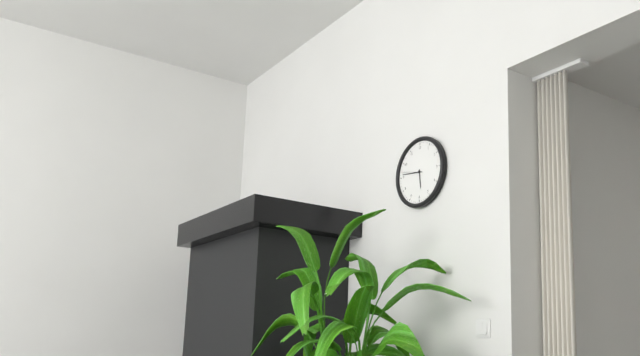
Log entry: 5:46
